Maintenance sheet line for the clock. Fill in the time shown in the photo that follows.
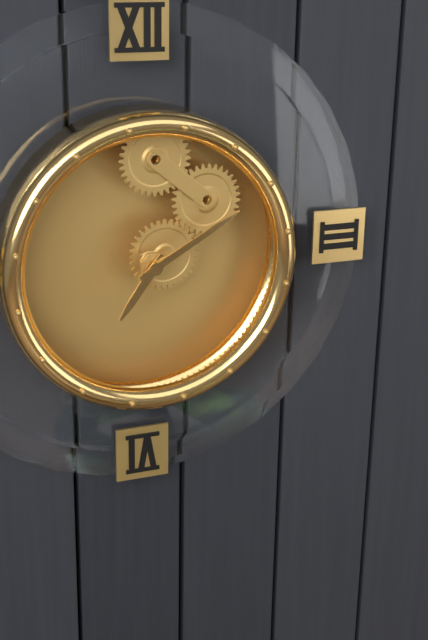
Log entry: 7:10
